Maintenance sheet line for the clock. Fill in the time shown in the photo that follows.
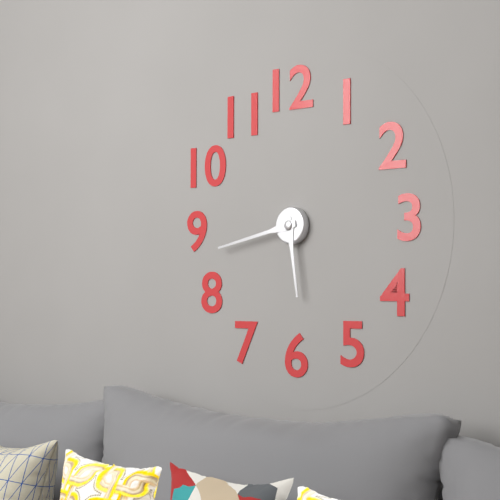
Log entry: 5:43
